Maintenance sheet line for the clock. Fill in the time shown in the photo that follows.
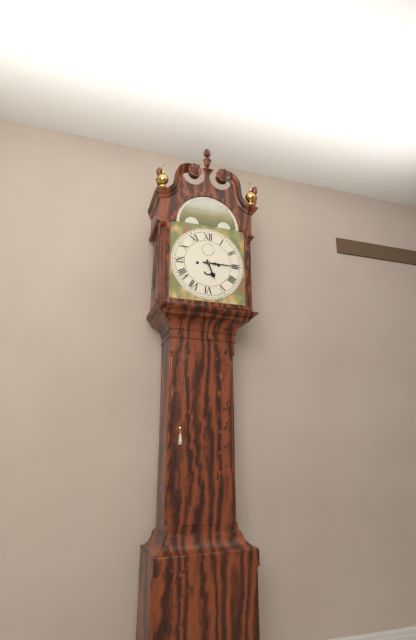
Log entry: 5:15
